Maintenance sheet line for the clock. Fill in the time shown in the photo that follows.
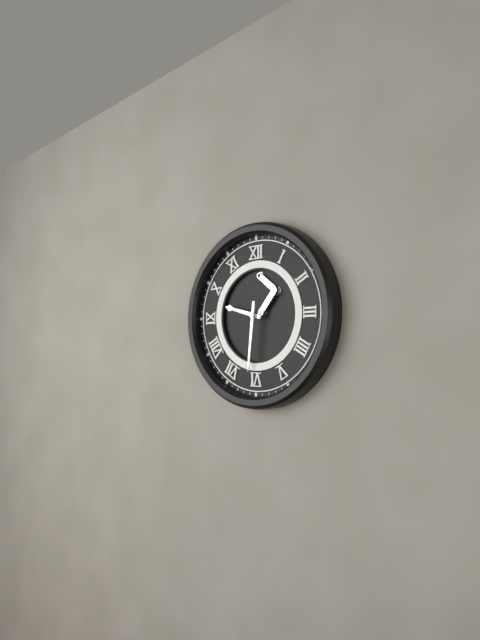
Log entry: 9:31
